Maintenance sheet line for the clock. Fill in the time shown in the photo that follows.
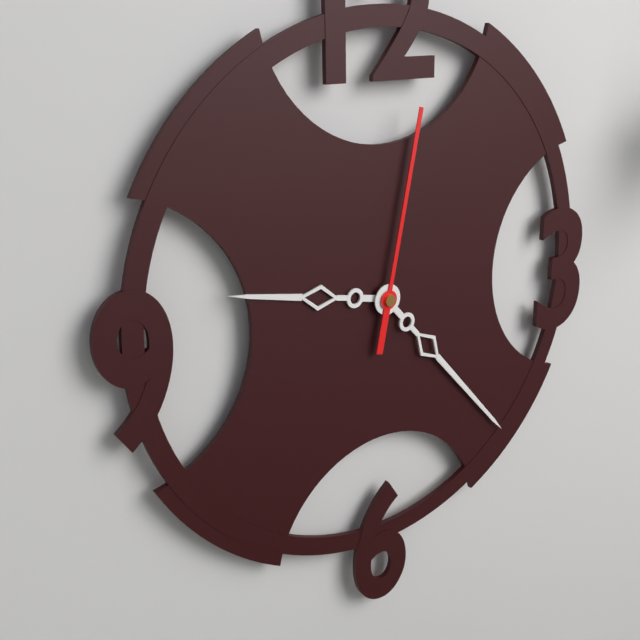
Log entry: 9:23:02
